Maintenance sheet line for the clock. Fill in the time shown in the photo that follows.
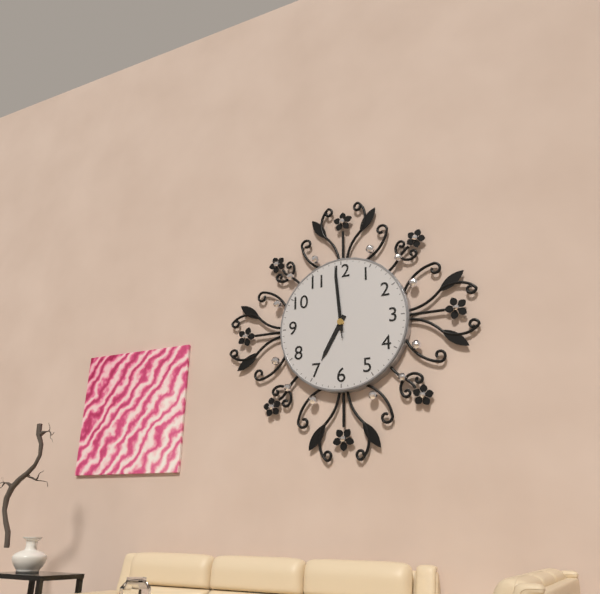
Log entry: 6:59:59
